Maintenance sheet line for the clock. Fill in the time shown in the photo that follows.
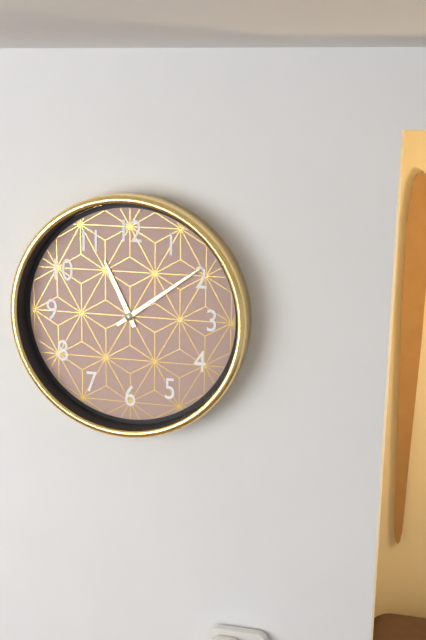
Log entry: 11:09
